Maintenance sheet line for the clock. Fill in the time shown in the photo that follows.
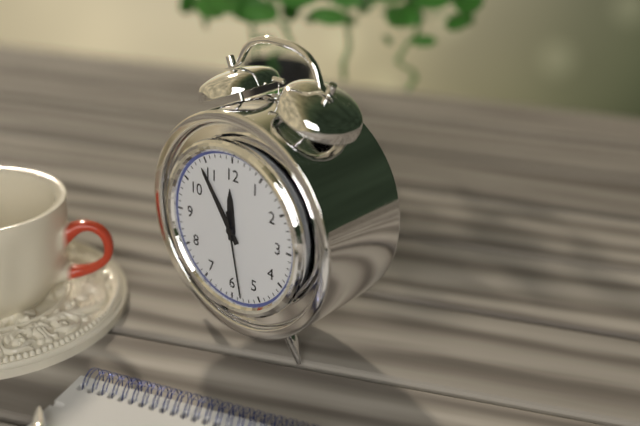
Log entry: 11:54:28
